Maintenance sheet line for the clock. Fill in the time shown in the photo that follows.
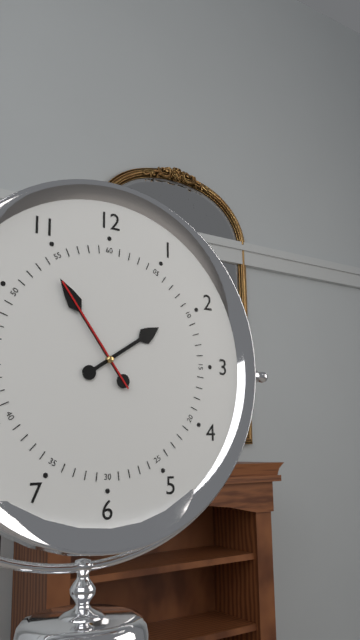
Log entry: 1:54:54
